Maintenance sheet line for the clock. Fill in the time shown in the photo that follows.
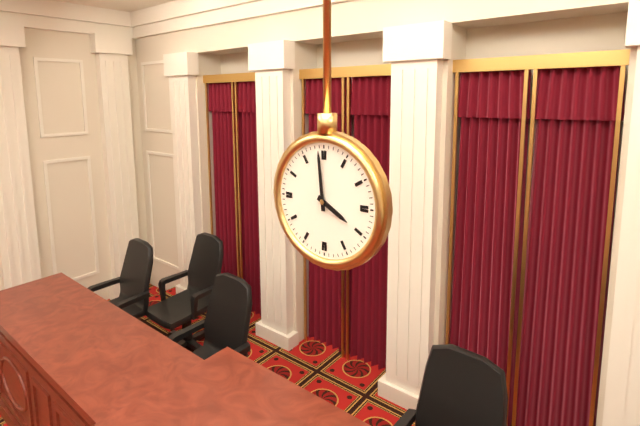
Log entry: 3:59
